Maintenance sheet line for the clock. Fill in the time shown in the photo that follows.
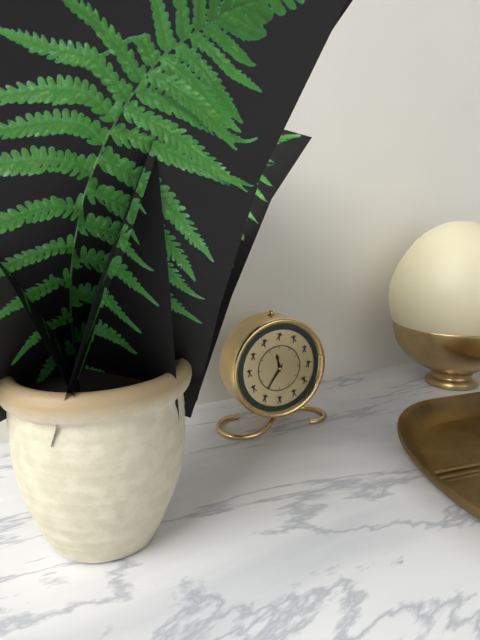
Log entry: 11:36
